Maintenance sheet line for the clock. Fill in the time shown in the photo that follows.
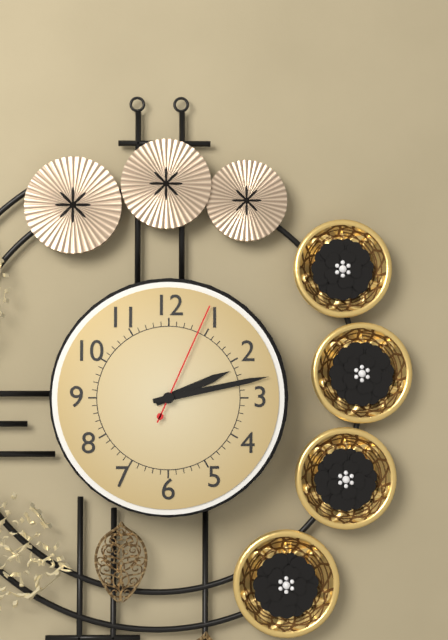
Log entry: 2:13:04
